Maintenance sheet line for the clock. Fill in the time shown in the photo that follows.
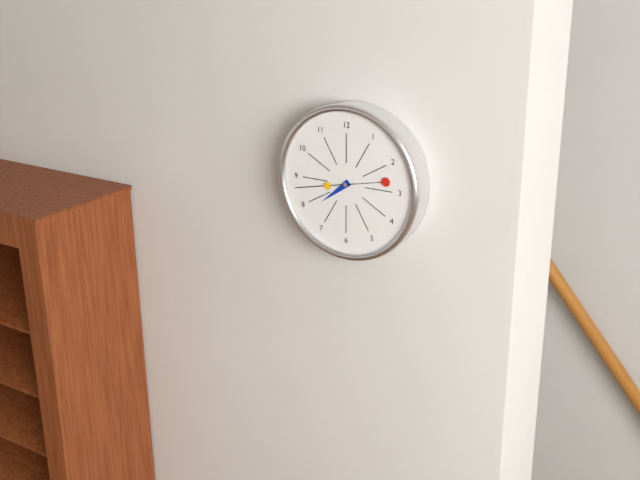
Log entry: 7:43:13
